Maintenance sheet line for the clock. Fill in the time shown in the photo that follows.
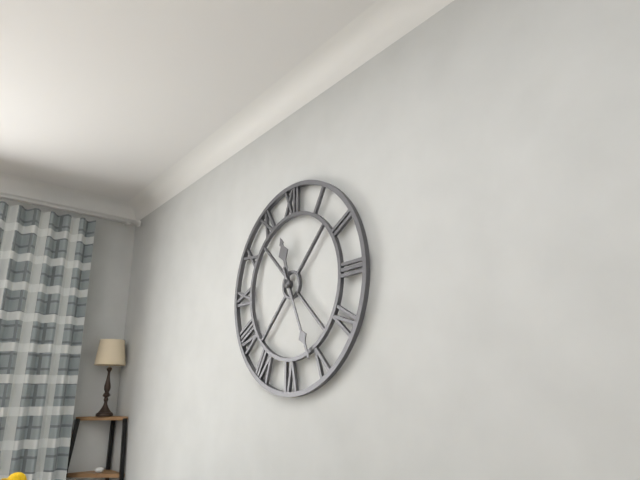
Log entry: 11:26
